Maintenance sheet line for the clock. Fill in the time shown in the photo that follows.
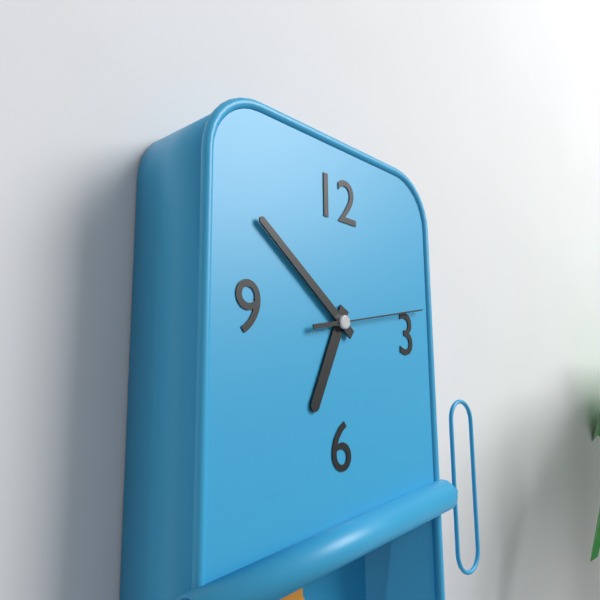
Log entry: 6:51:13
